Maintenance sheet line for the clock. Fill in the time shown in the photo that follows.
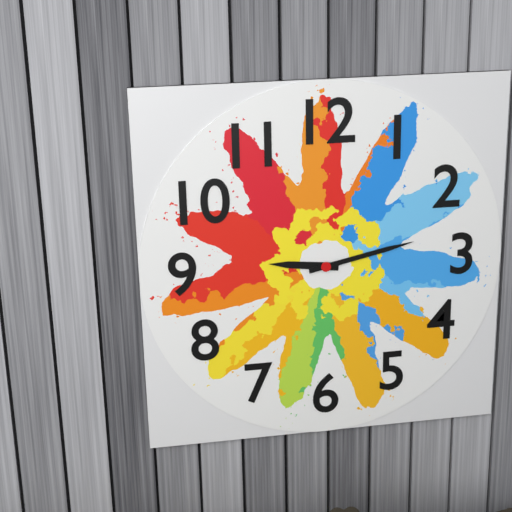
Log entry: 9:13
